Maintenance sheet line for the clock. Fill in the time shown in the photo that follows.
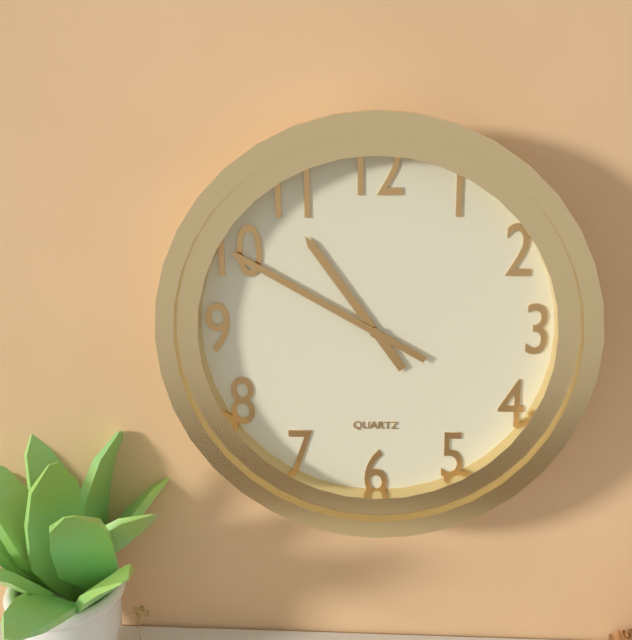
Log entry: 10:50
